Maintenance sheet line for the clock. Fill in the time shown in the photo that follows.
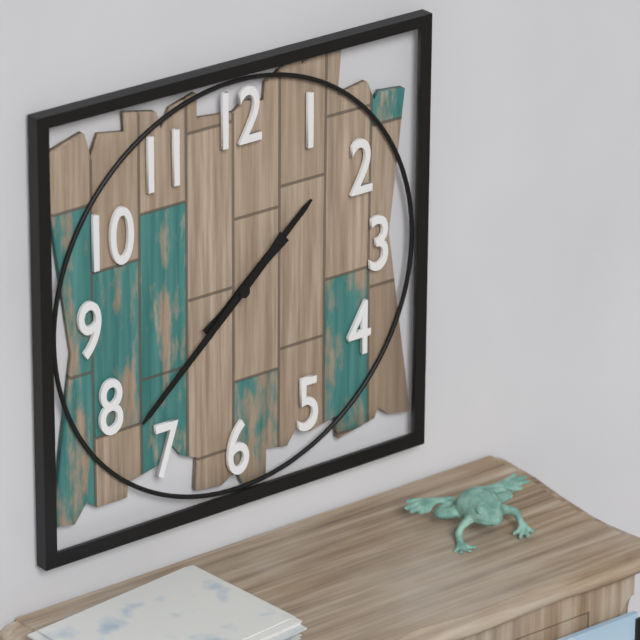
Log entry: 1:38
